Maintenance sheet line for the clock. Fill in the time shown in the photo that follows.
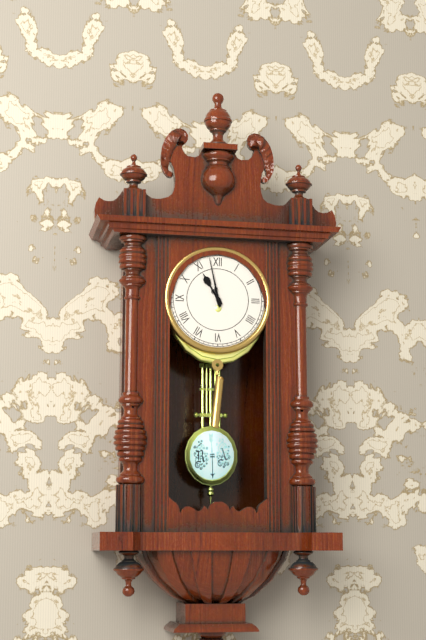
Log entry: 10:58
